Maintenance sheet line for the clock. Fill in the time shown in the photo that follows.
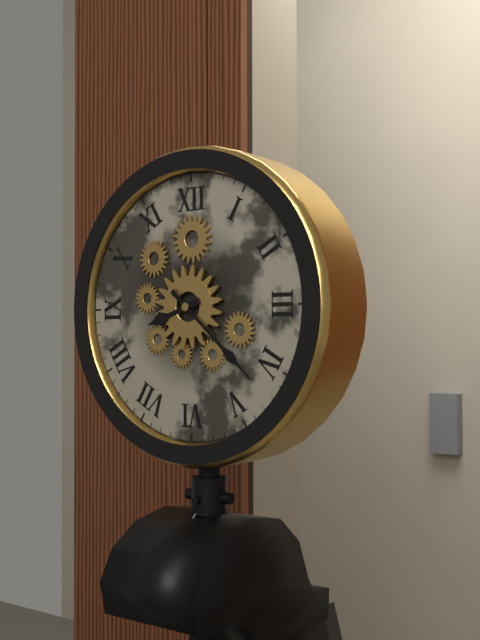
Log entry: 8:22
